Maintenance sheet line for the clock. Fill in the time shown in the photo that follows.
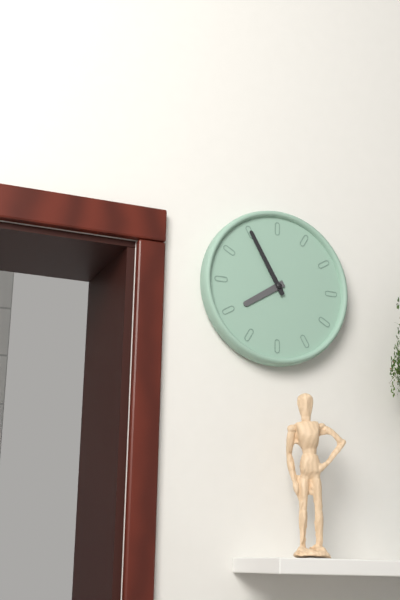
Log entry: 7:55
